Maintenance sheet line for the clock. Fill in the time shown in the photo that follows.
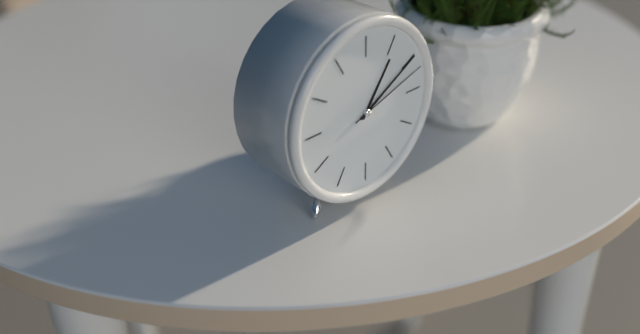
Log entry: 1:10:12
